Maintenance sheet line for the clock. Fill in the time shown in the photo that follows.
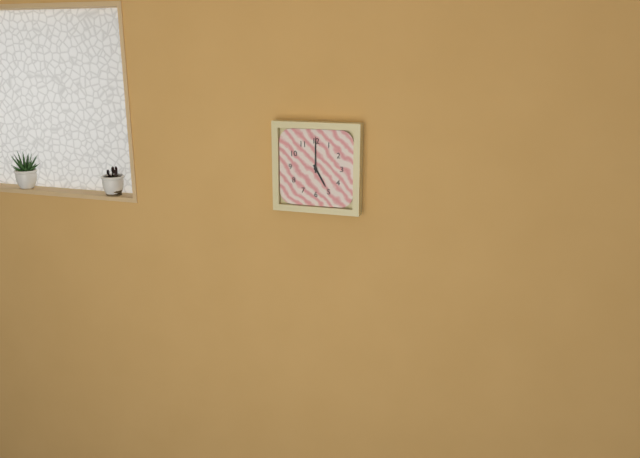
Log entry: 5:00
